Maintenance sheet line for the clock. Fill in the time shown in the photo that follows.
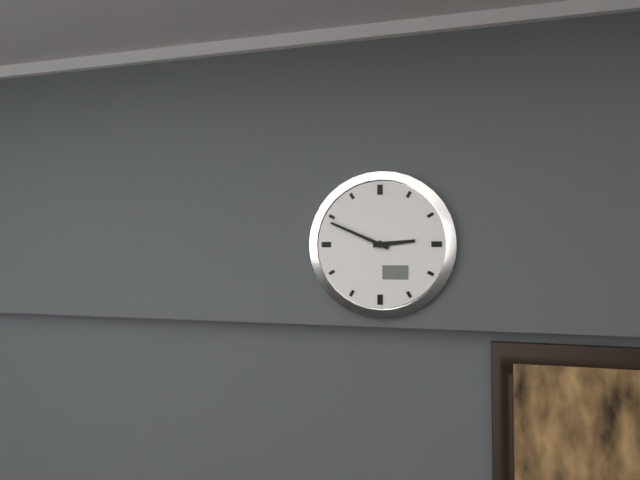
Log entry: 2:49
